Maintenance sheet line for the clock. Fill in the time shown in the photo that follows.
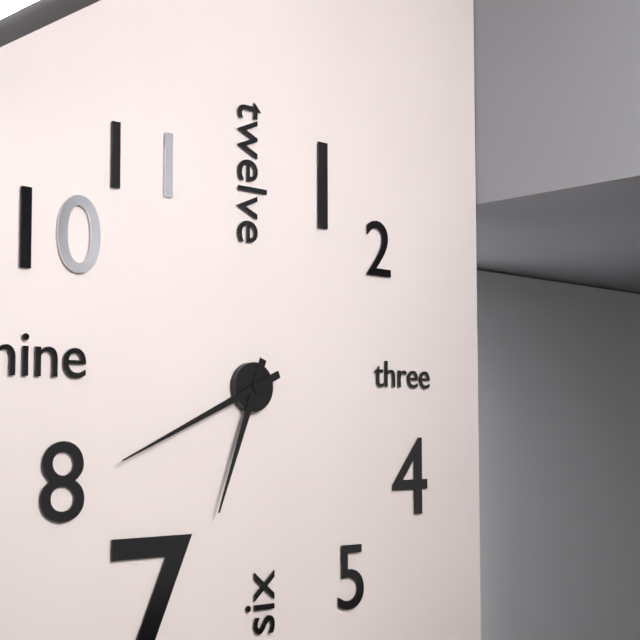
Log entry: 6:41
